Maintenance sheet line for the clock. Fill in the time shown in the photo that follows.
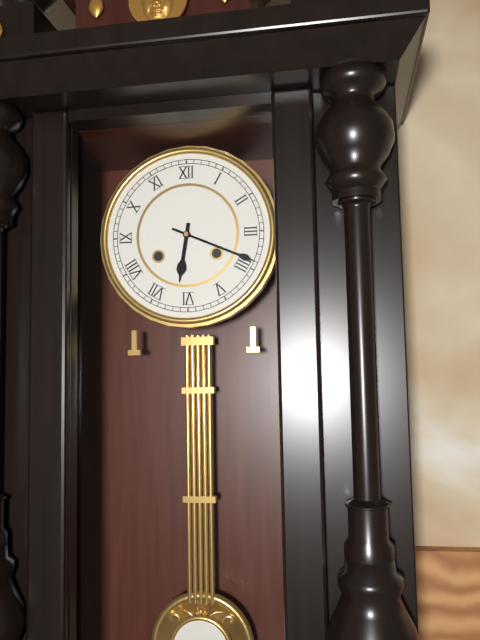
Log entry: 6:19
